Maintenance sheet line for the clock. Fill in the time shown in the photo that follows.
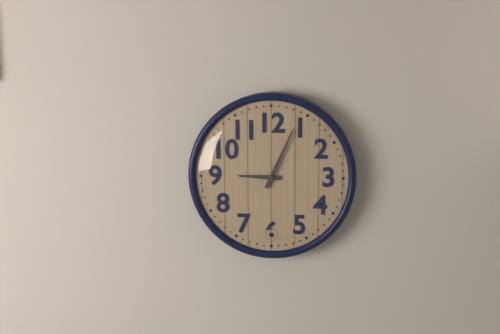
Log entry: 9:04
